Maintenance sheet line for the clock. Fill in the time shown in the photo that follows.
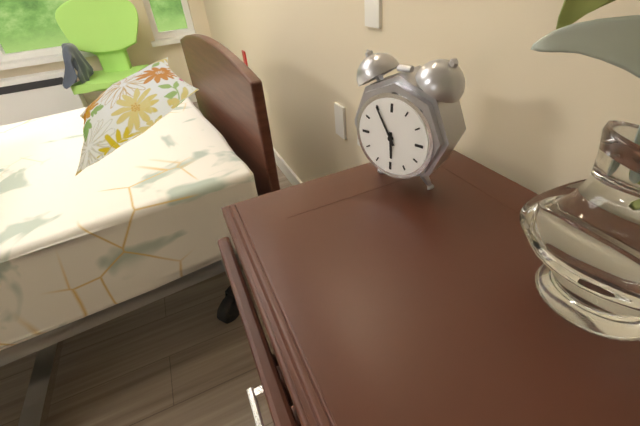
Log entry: 5:55
